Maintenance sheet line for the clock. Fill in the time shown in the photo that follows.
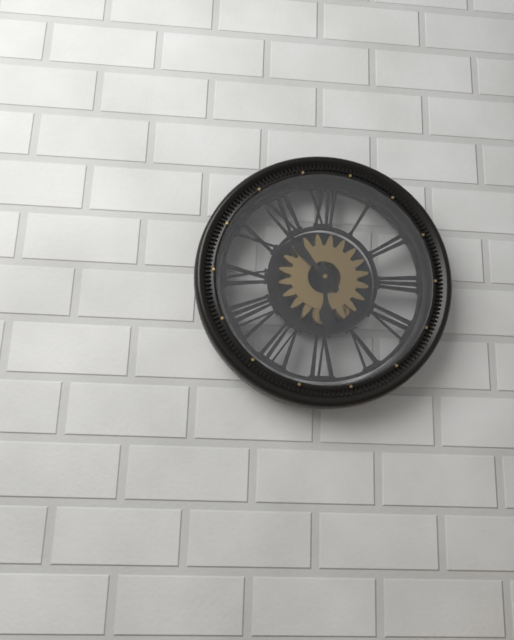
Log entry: 5:53
